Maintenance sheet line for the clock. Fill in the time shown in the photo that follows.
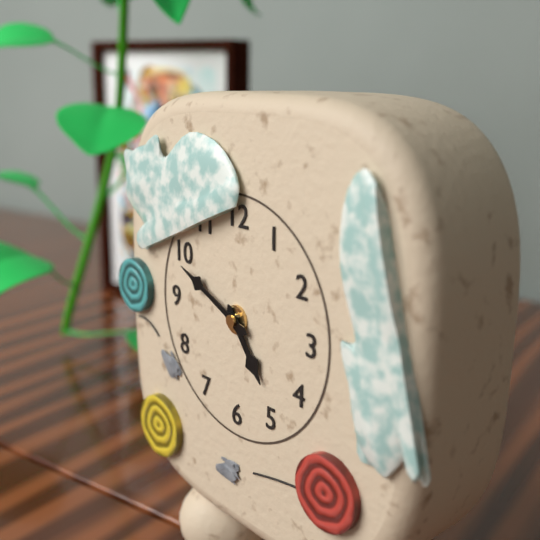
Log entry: 4:49
